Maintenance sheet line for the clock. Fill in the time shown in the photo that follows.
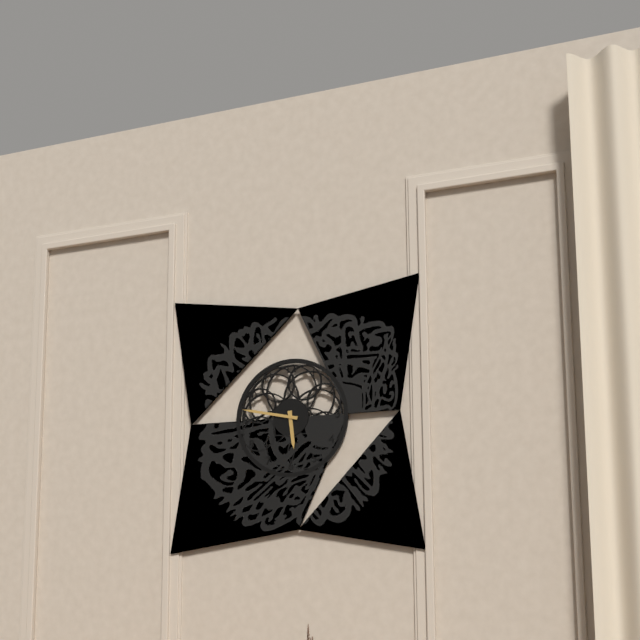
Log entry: 5:47
